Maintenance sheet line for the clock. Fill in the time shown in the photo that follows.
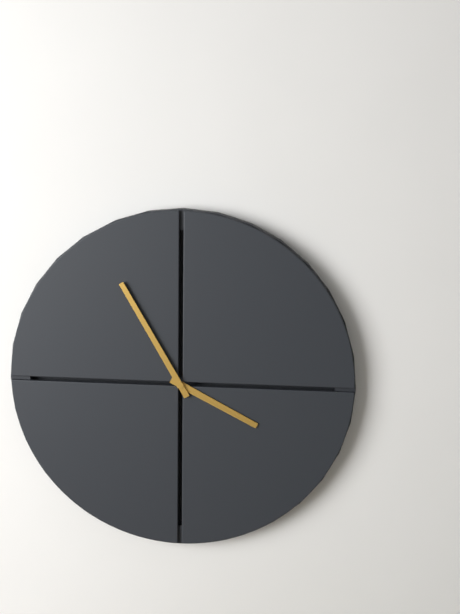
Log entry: 3:55
